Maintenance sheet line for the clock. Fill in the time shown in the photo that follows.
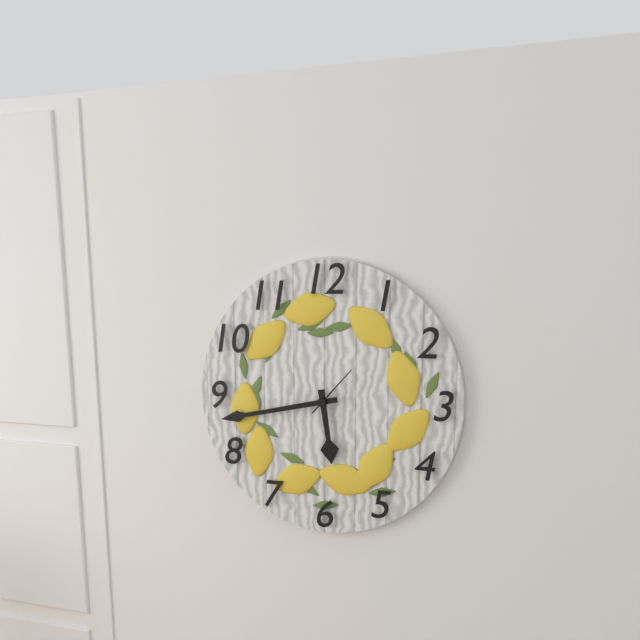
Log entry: 5:43:07
